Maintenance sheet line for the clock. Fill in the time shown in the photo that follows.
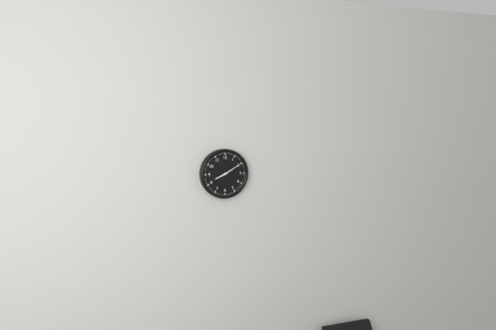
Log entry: 8:10
